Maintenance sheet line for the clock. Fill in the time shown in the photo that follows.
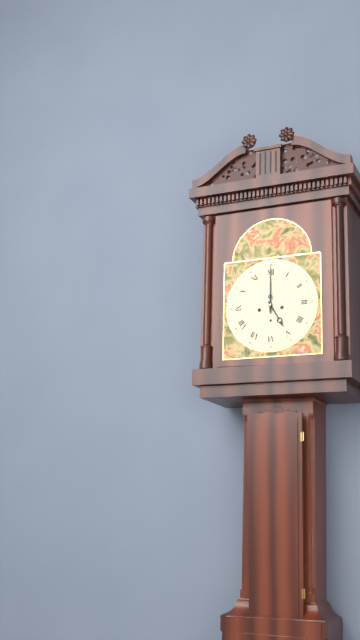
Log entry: 5:00
